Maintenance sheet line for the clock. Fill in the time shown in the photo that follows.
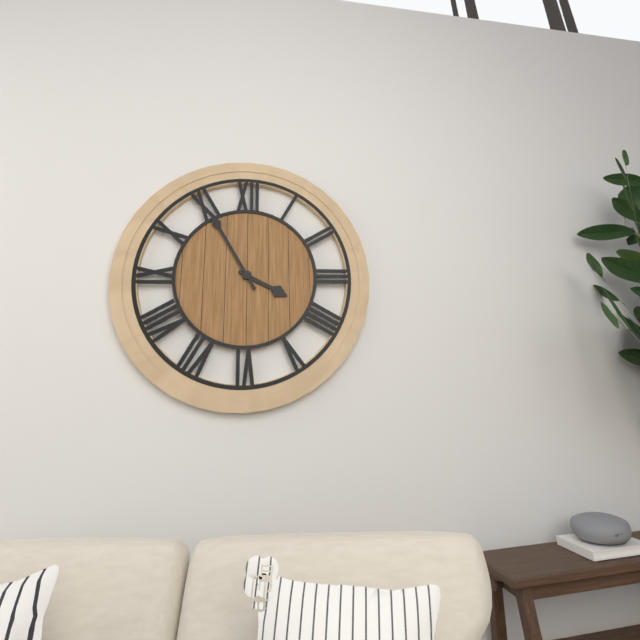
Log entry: 3:55
